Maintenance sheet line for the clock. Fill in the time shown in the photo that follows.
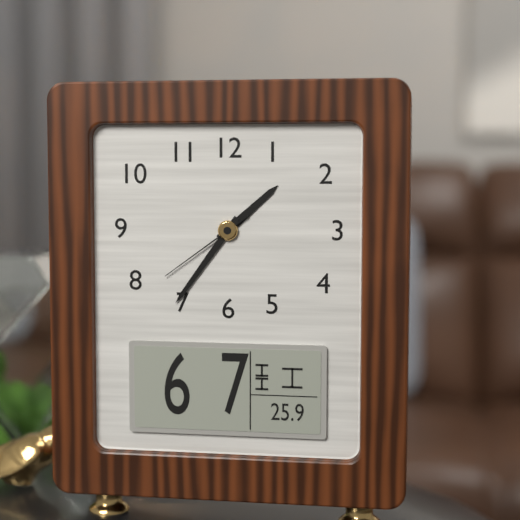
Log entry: 1:36:39
